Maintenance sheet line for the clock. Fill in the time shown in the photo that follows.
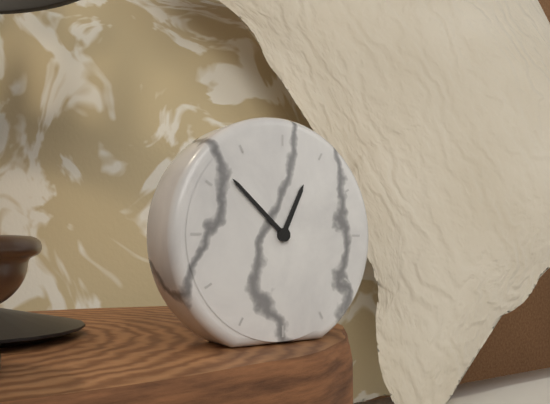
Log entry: 12:52
